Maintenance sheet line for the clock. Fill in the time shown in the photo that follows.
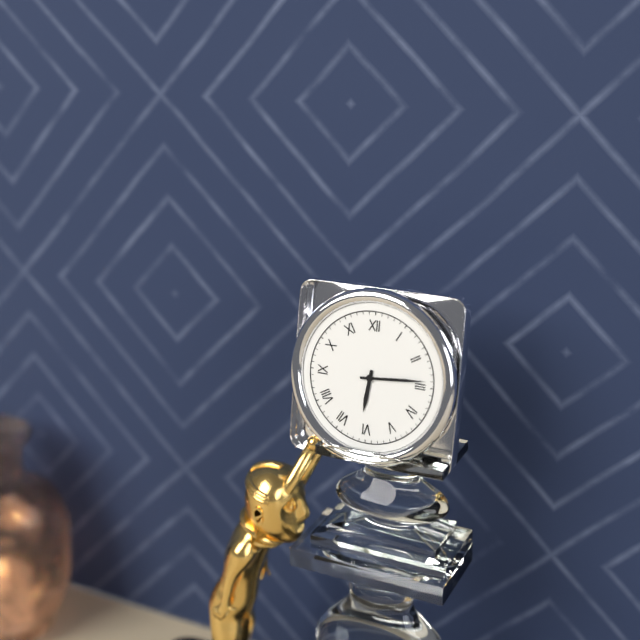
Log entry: 6:14
